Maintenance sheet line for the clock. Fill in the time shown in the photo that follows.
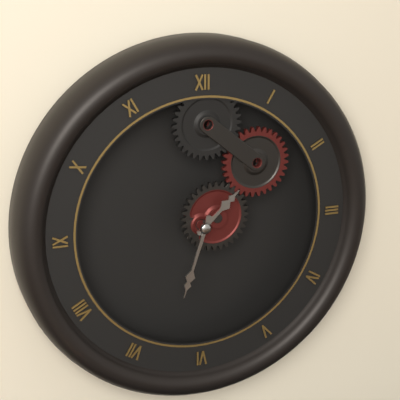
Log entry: 1:33
